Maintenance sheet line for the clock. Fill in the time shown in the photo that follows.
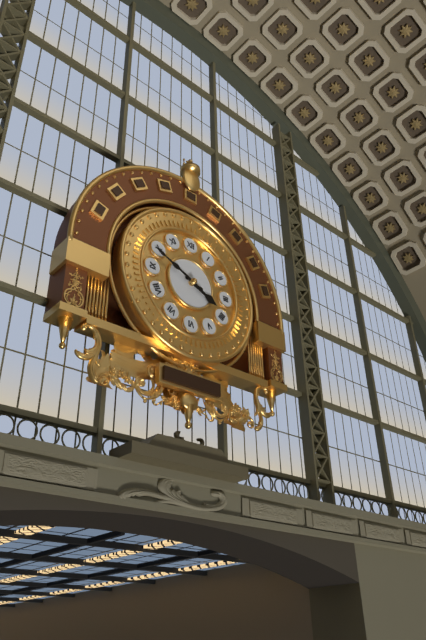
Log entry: 3:49
